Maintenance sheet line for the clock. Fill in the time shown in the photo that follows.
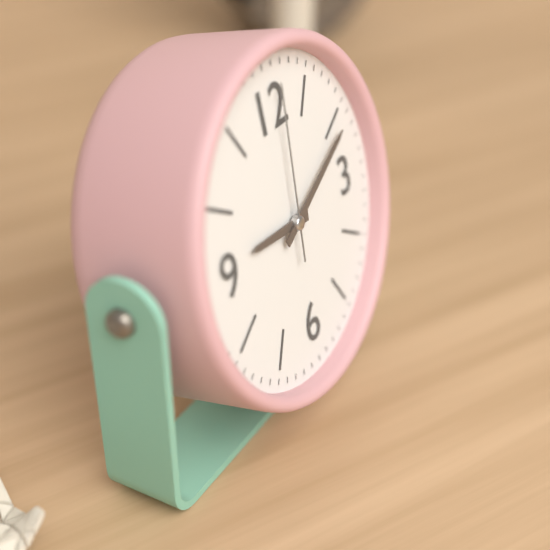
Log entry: 9:11:01
